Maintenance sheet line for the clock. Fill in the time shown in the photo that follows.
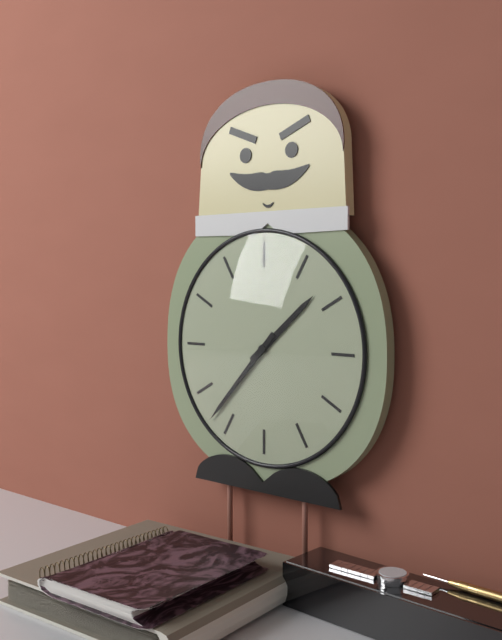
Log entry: 1:37
